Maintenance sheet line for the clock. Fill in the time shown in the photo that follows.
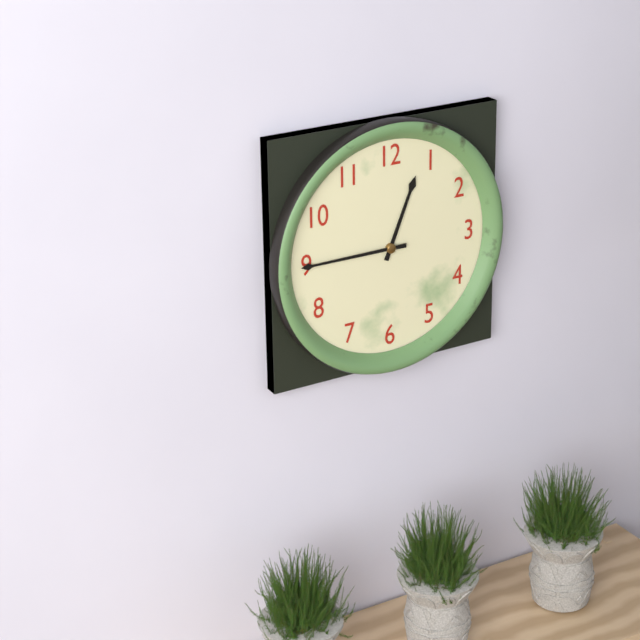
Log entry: 12:45
